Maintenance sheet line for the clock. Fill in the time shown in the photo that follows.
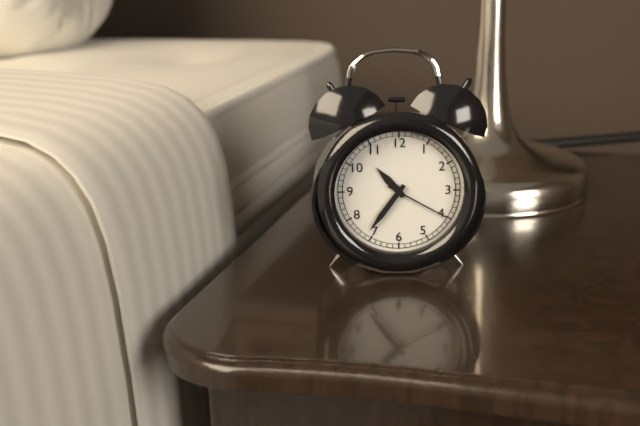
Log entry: 10:36:20
